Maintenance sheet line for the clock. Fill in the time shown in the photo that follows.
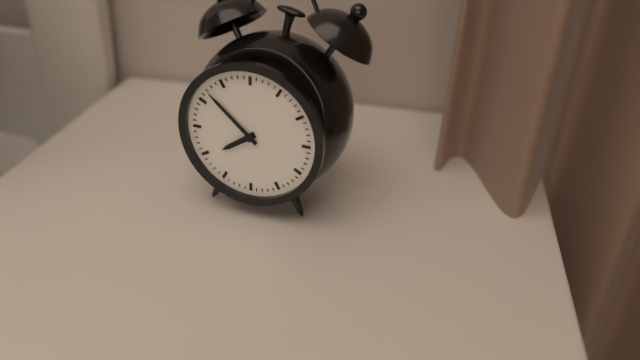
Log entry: 7:52
